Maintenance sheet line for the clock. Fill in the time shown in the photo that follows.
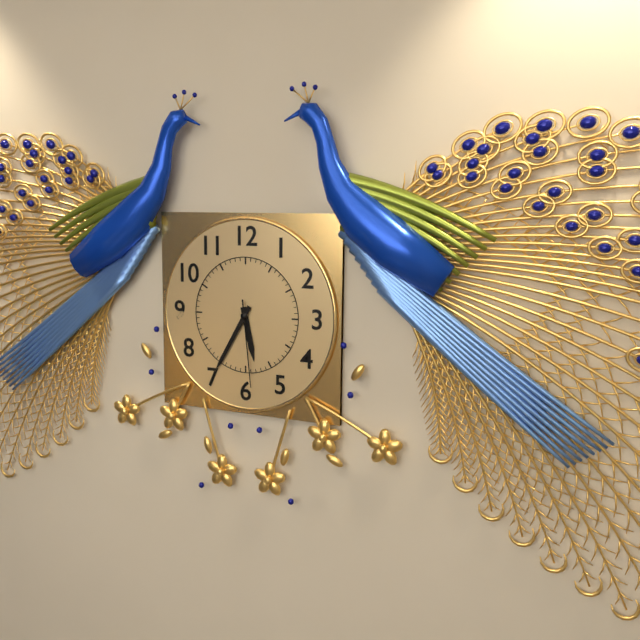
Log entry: 5:35:29
